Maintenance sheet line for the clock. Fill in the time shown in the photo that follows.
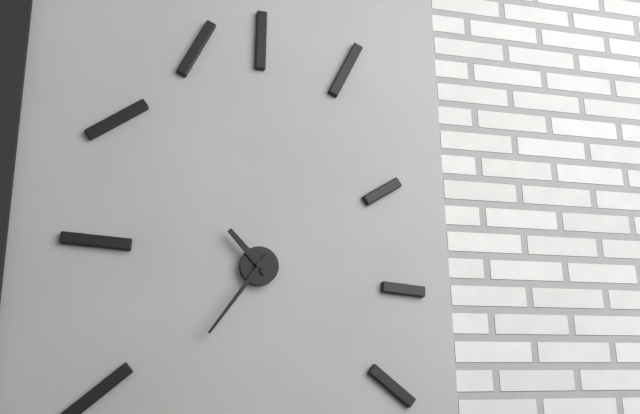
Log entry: 10:36
